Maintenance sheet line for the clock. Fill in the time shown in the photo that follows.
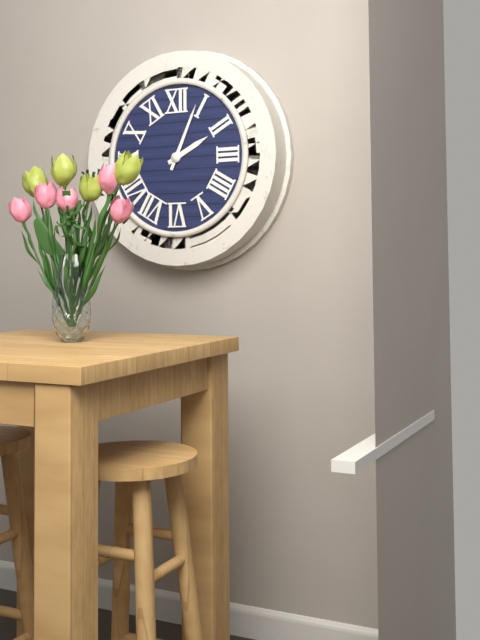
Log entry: 2:04
